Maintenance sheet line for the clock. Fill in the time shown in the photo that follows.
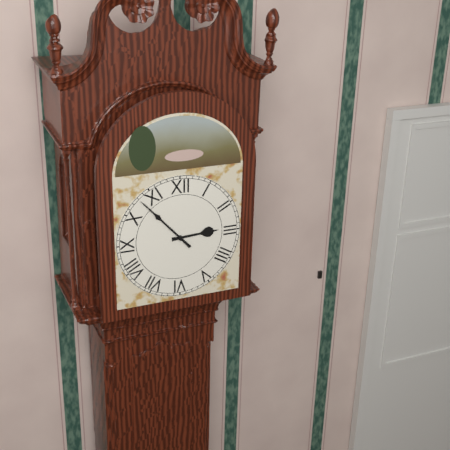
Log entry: 2:53
